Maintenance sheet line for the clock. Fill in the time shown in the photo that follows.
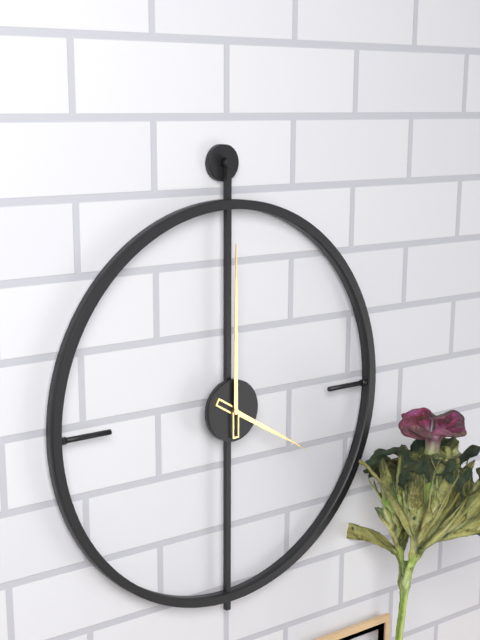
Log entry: 4:00
